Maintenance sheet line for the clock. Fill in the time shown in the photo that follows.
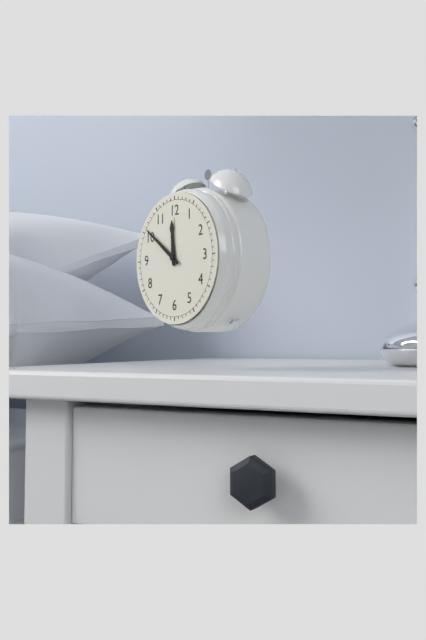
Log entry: 11:51
